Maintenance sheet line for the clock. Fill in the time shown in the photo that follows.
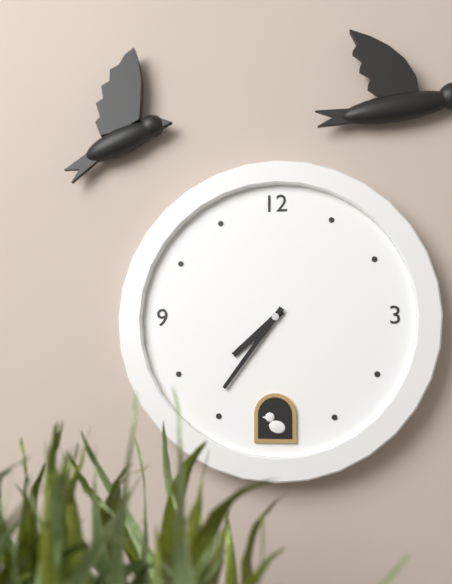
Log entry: 7:36
